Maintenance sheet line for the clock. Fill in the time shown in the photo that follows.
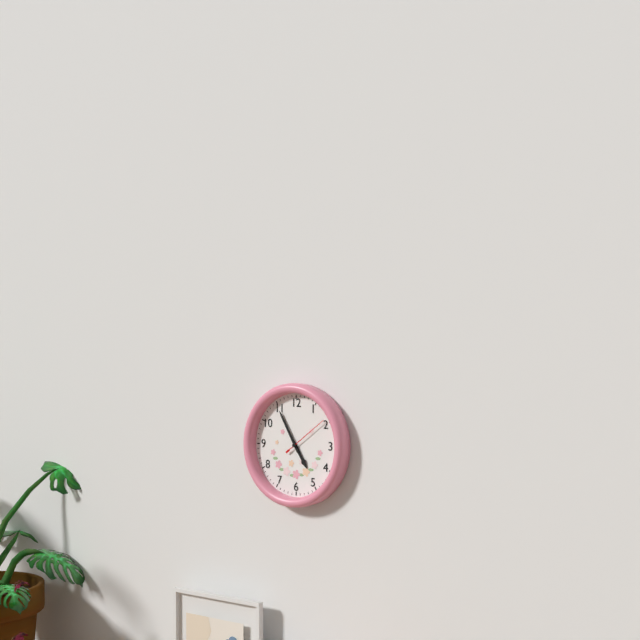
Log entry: 4:55
